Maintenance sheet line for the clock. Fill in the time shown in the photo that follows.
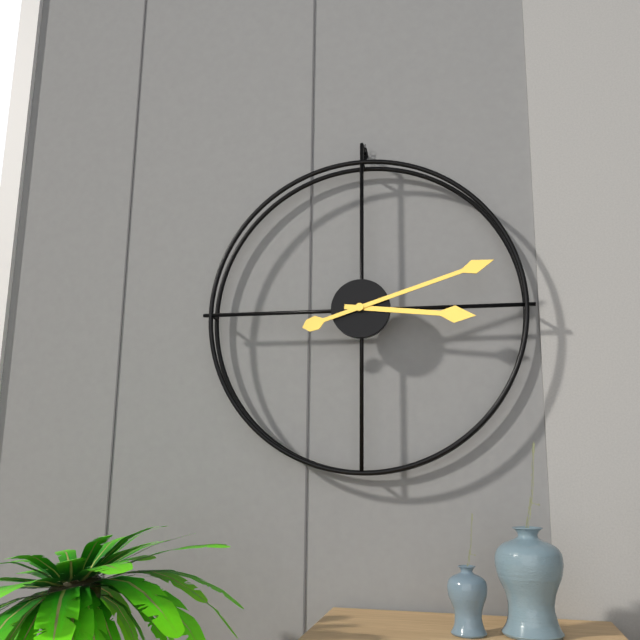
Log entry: 3:12
